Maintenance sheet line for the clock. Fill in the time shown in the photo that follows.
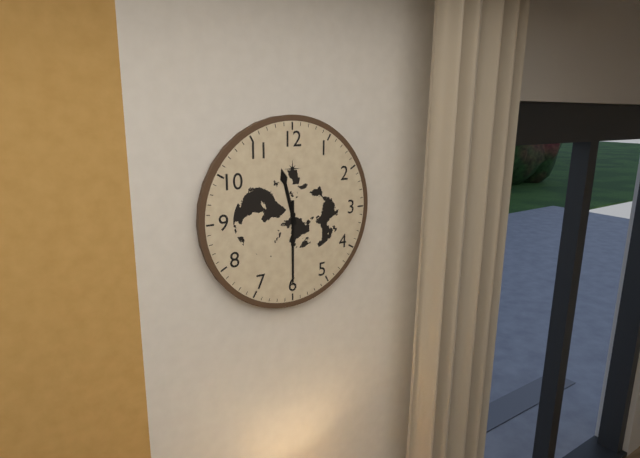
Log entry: 11:30
